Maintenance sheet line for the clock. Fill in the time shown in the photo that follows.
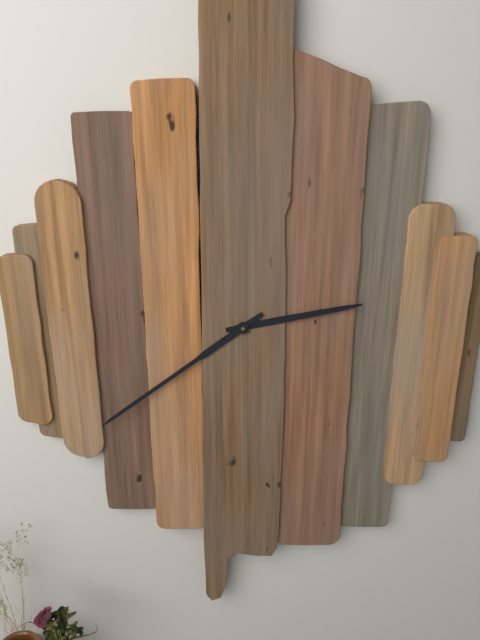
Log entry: 2:39
